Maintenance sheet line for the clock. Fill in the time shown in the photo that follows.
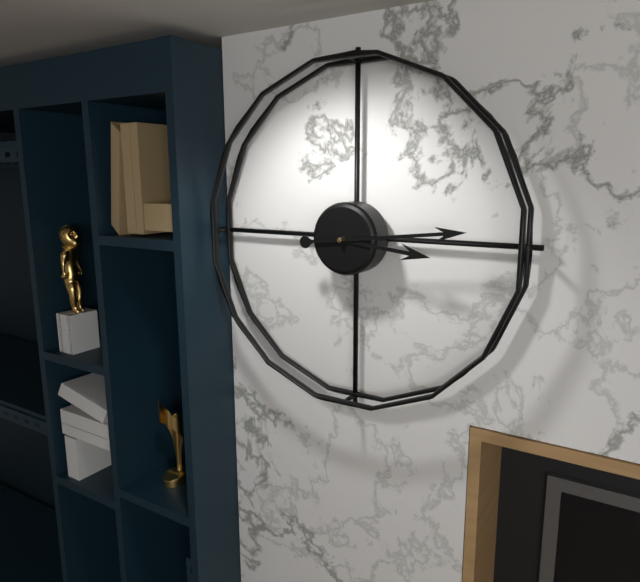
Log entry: 3:14
